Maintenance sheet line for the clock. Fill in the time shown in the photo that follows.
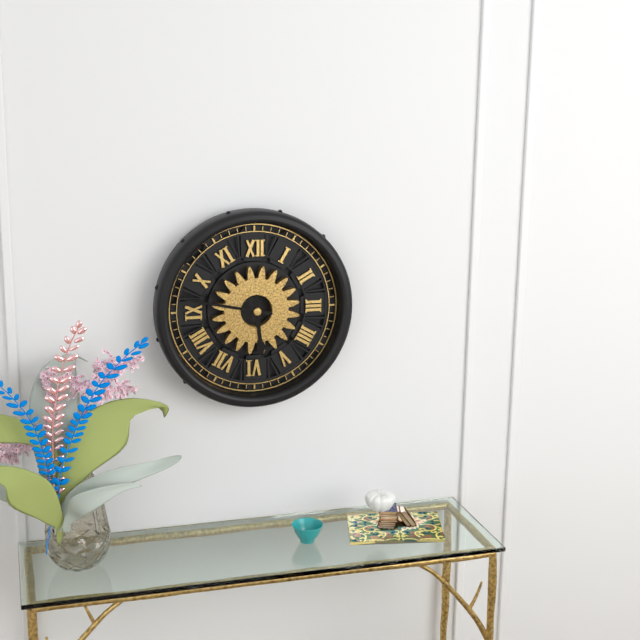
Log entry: 5:47
